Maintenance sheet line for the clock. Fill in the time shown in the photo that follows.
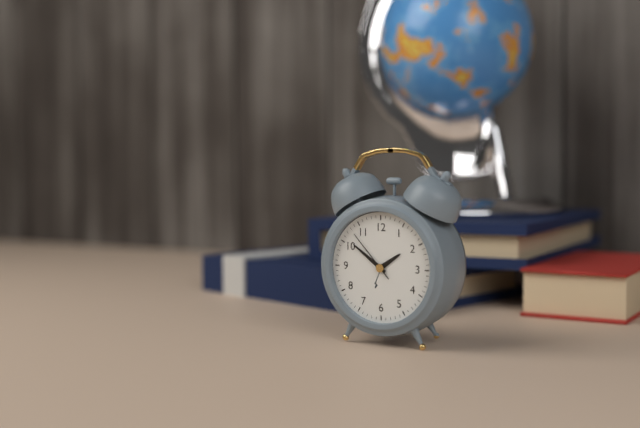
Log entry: 1:51:53
